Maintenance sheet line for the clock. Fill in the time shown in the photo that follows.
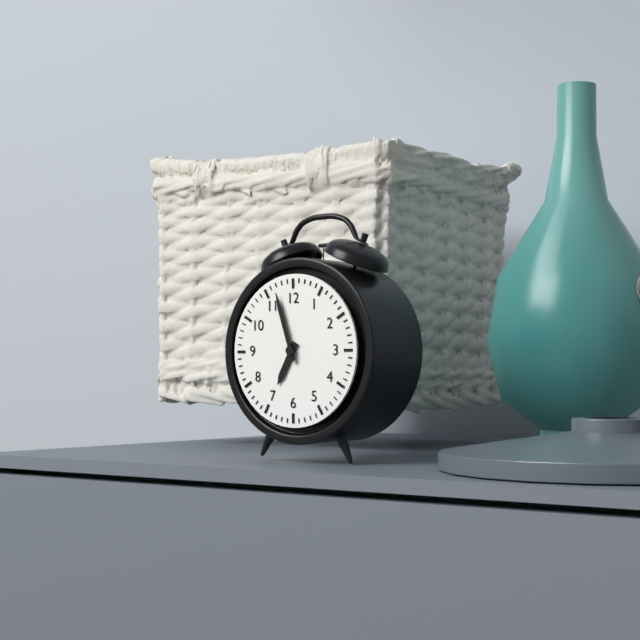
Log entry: 6:57
